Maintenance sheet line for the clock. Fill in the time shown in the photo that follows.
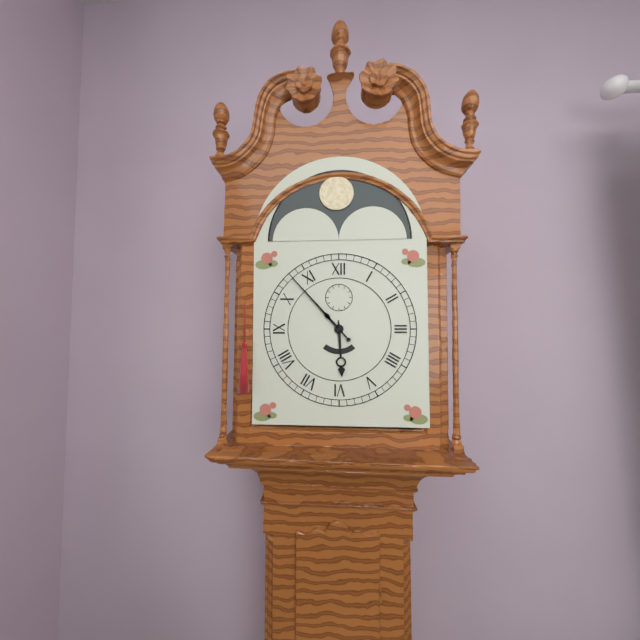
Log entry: 5:53
